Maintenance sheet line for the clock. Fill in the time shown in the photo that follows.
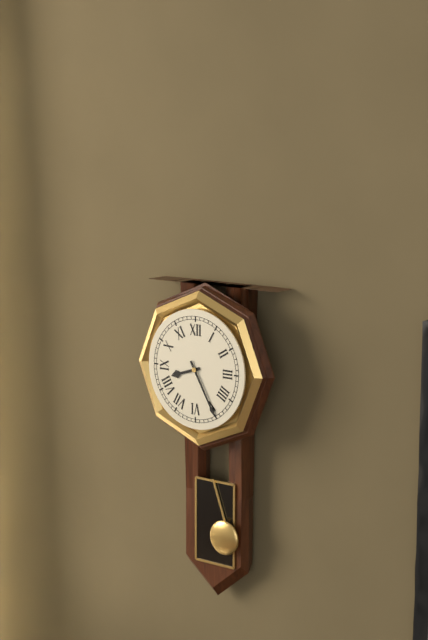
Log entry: 8:25
